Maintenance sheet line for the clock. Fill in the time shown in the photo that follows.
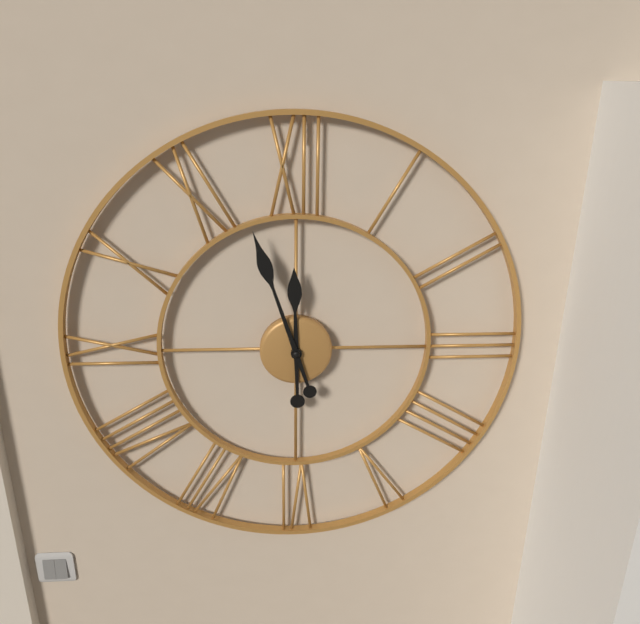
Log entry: 11:57
